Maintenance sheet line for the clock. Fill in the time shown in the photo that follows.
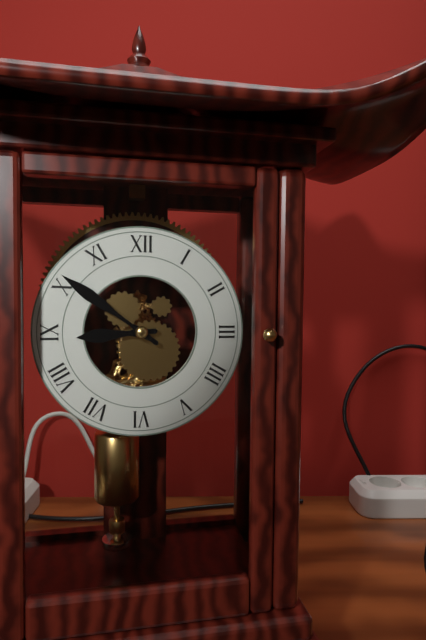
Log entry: 8:51
